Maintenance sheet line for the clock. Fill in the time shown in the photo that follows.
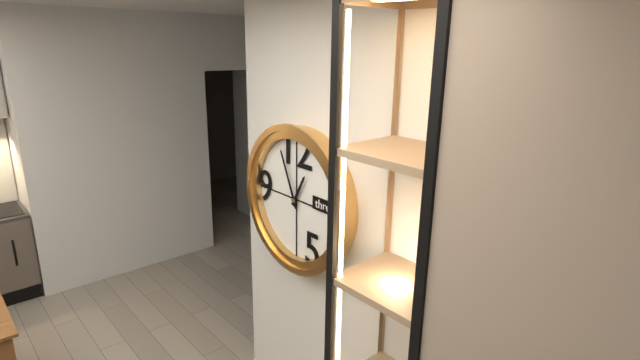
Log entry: 12:56
